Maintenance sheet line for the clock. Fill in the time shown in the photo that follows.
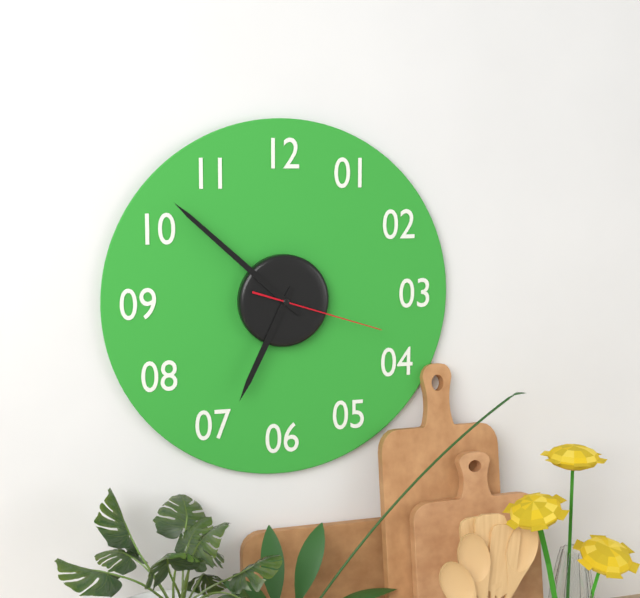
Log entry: 6:52:18
